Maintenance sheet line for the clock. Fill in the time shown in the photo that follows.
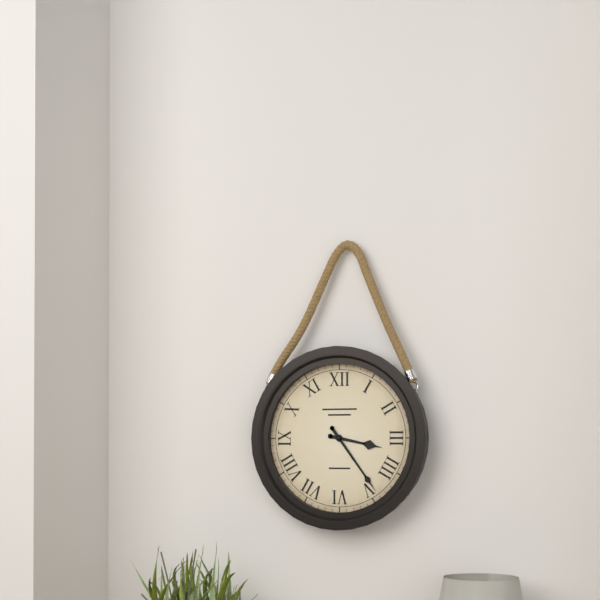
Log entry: 3:24
